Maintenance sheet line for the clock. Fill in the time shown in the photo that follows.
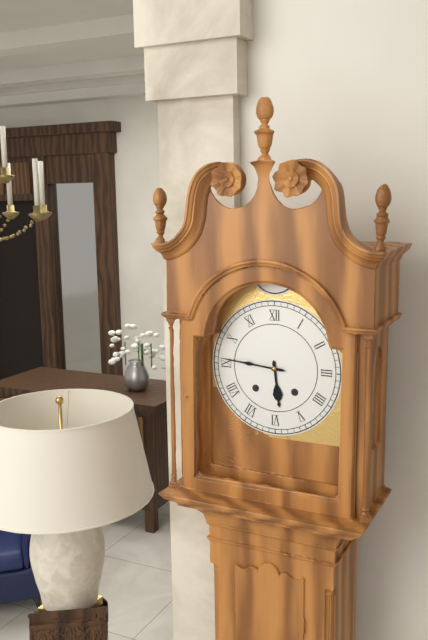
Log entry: 5:46
